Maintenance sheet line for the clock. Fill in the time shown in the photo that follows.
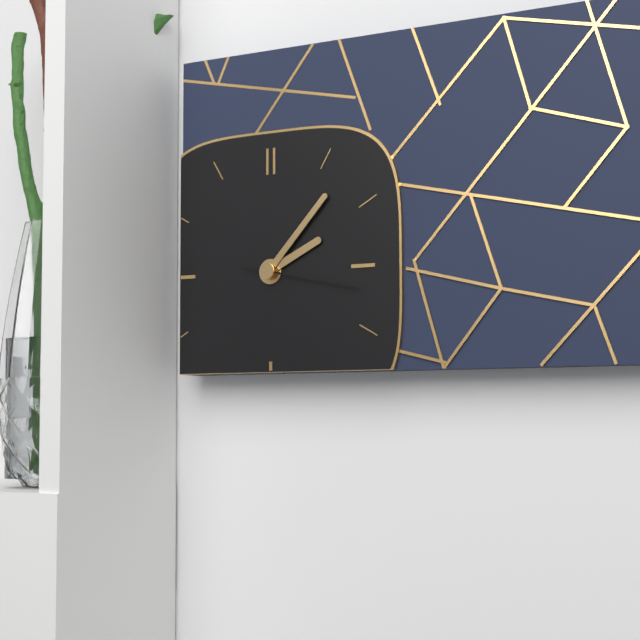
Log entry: 2:07:17
